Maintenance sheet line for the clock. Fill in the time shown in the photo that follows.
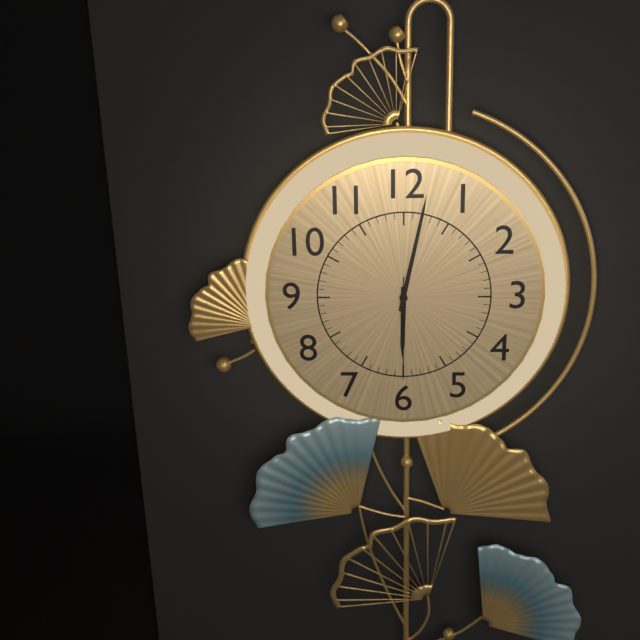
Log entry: 6:02:30
